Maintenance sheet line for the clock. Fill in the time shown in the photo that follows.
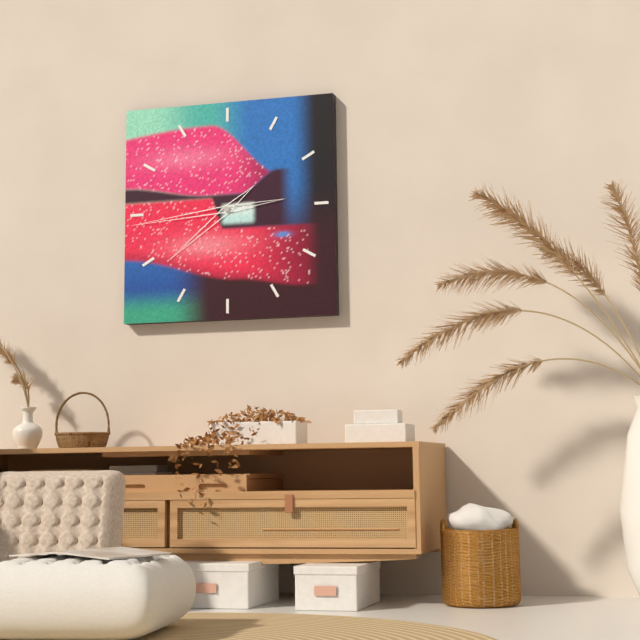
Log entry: 7:44
